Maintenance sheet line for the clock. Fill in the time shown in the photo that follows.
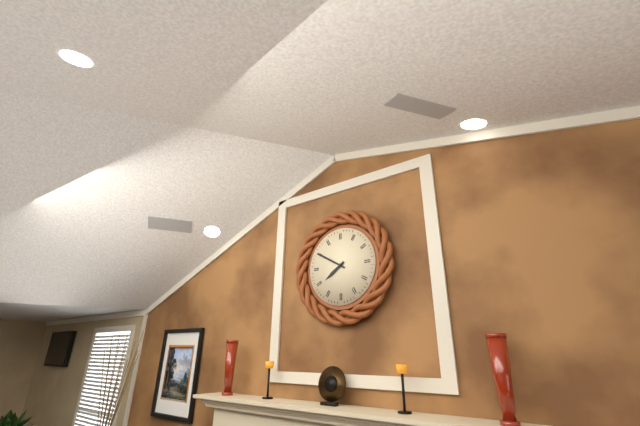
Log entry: 7:50
